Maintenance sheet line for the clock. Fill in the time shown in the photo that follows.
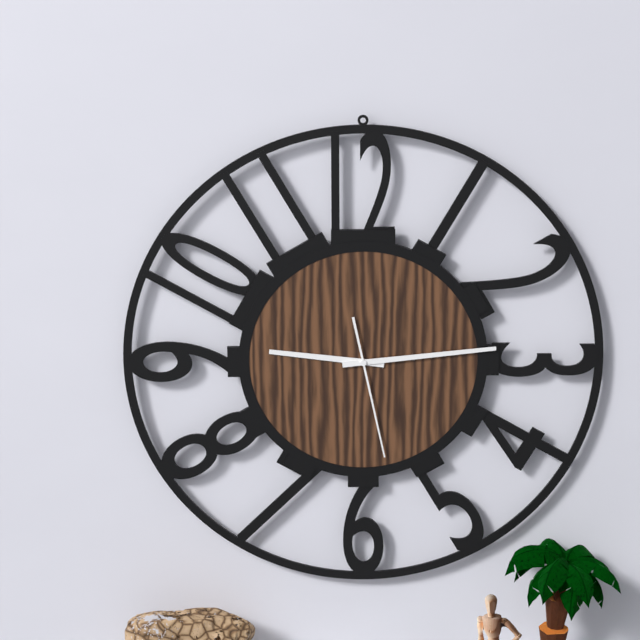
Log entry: 9:14:28
